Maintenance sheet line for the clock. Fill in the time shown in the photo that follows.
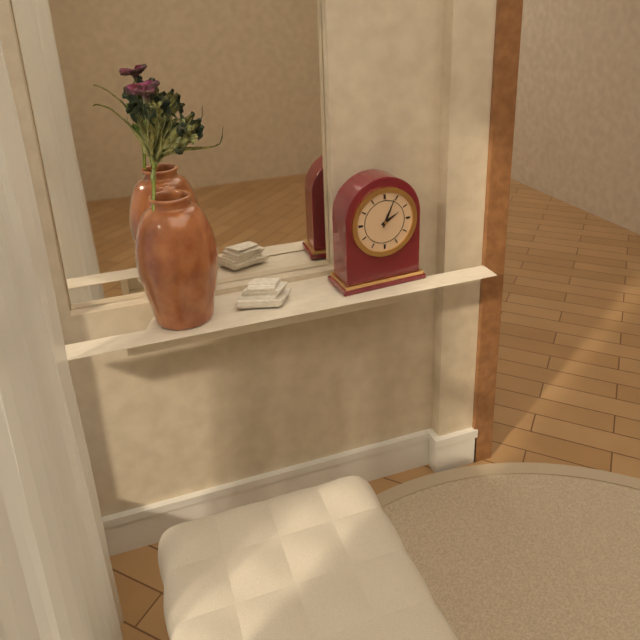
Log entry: 2:04
